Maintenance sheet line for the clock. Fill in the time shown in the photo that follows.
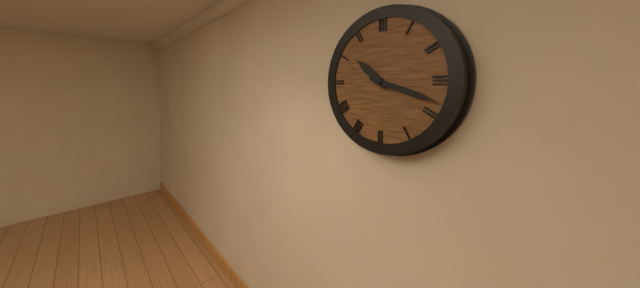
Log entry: 10:18
